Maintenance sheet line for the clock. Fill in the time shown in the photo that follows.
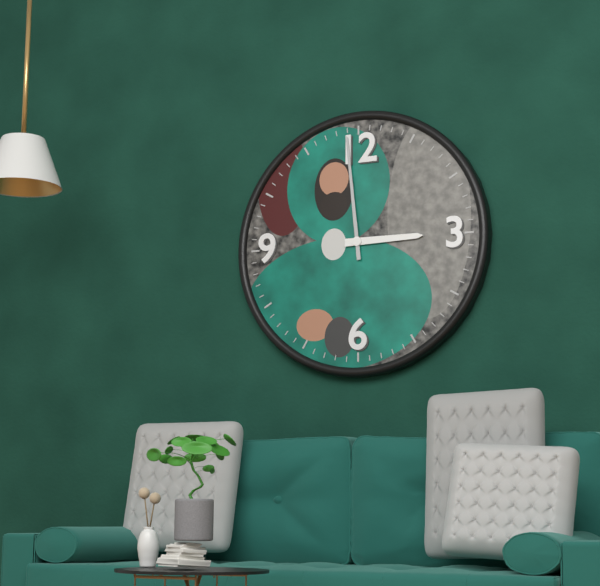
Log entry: 2:59
